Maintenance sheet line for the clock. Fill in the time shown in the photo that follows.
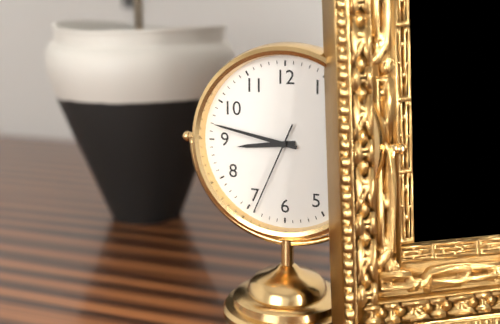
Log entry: 8:47:34
